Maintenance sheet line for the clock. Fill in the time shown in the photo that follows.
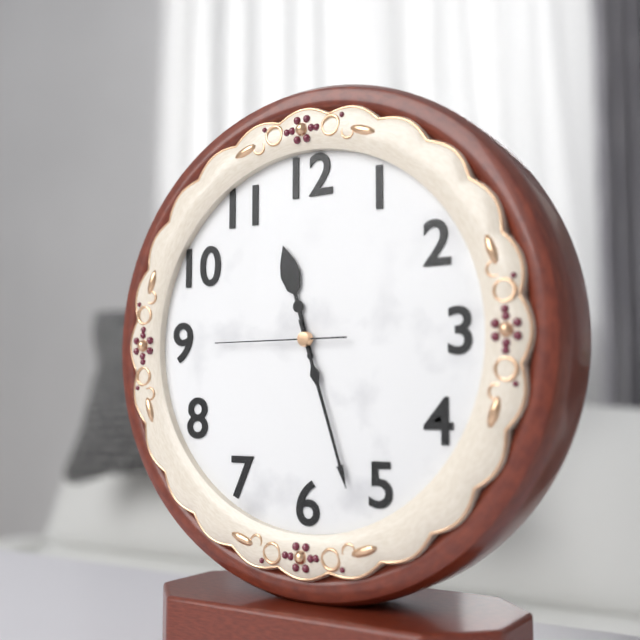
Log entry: 11:27:45
